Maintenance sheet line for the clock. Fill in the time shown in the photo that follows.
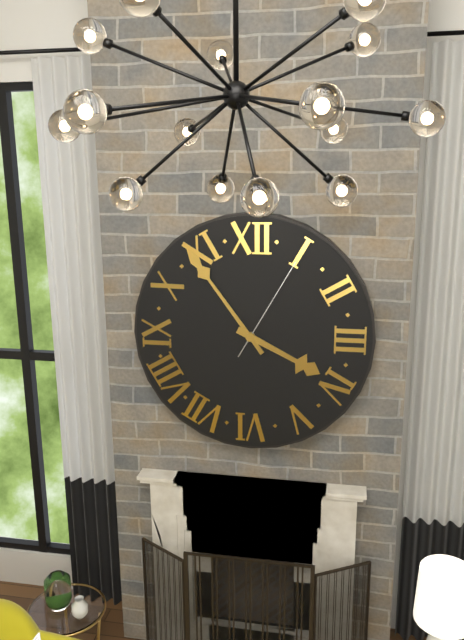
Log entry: 3:54:05
